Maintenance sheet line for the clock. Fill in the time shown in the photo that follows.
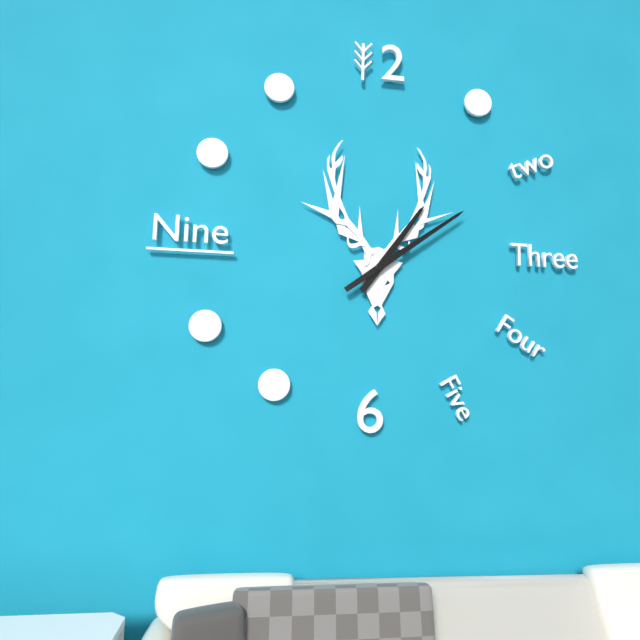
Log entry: 1:09
